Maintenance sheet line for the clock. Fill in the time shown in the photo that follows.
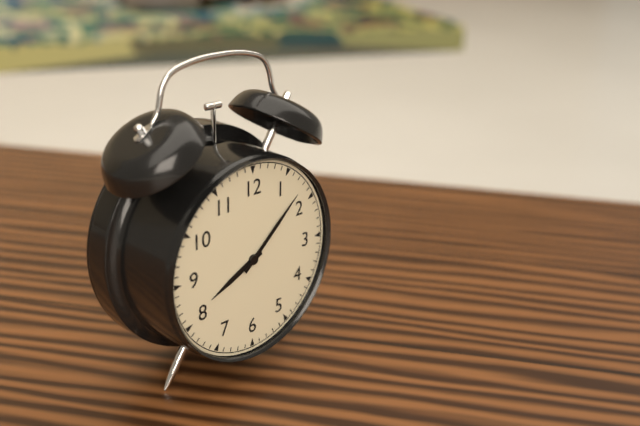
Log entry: 8:08
